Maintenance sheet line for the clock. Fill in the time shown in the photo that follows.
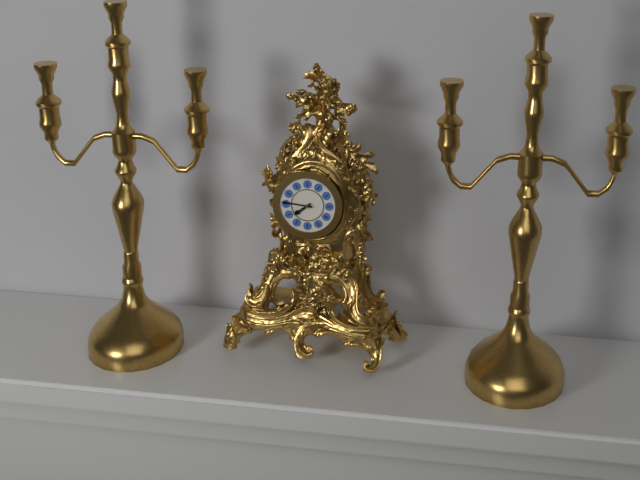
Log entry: 7:46
